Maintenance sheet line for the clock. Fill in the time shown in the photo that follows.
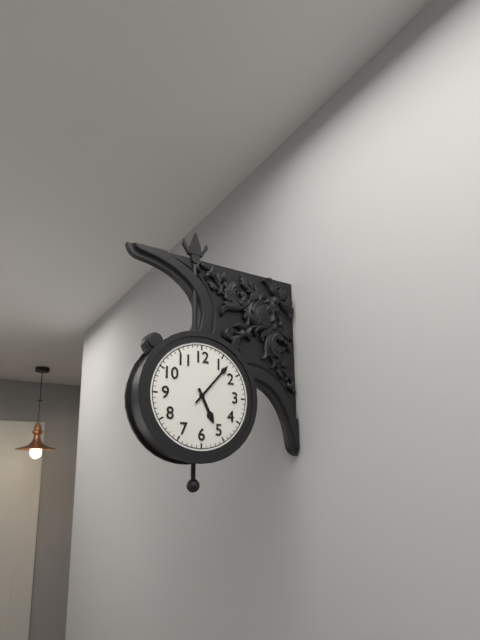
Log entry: 5:07
